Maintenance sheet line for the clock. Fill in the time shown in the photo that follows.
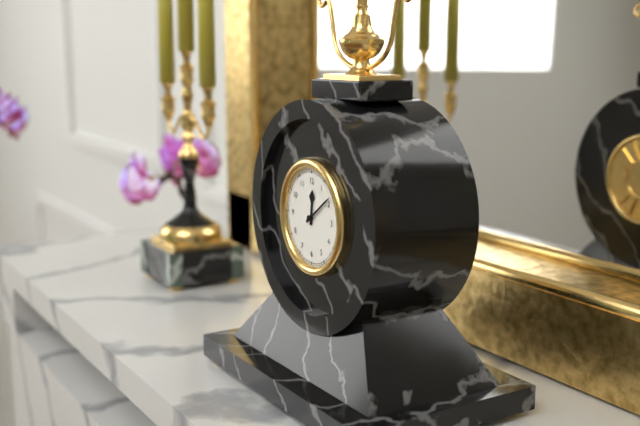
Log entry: 12:09
